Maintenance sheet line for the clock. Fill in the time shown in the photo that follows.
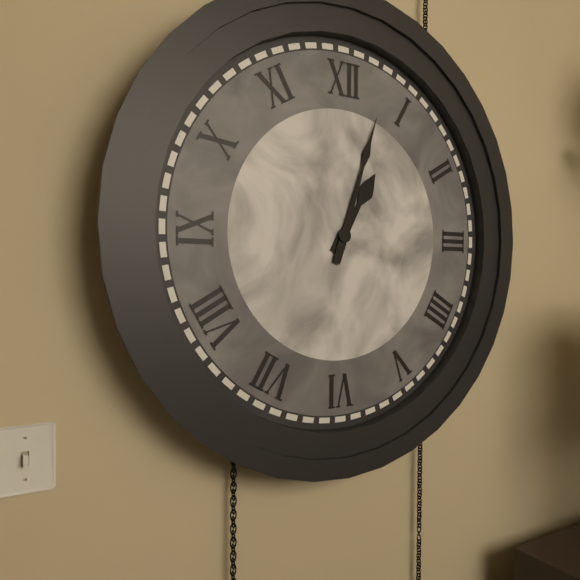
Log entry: 1:03
